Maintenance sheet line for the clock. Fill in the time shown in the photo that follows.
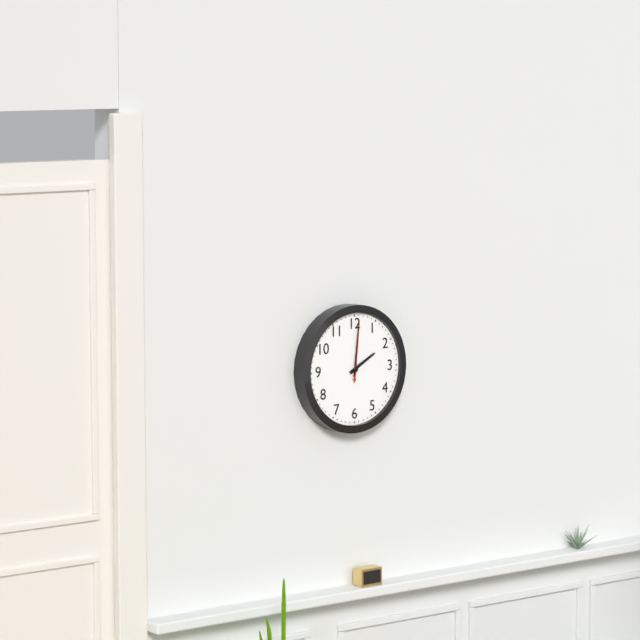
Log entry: 2:01:01
